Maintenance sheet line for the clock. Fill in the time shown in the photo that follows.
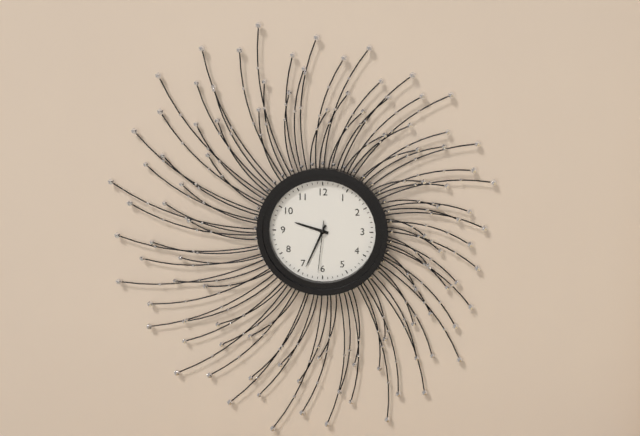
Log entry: 9:34:31
